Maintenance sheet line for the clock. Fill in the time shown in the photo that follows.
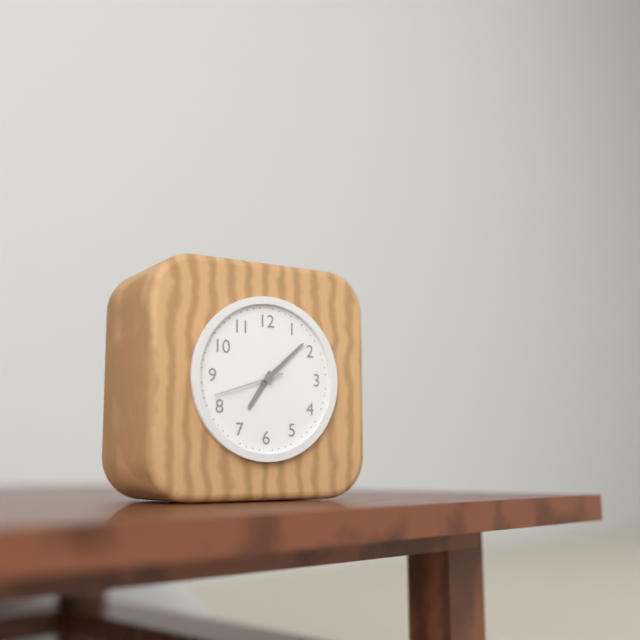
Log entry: 7:08:42
